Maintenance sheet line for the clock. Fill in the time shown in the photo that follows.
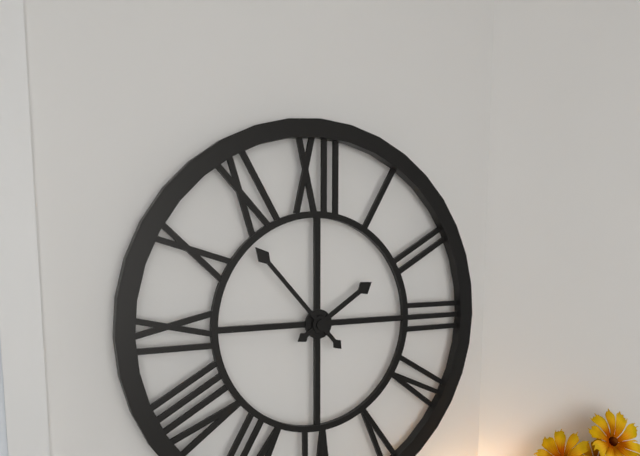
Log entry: 1:53
